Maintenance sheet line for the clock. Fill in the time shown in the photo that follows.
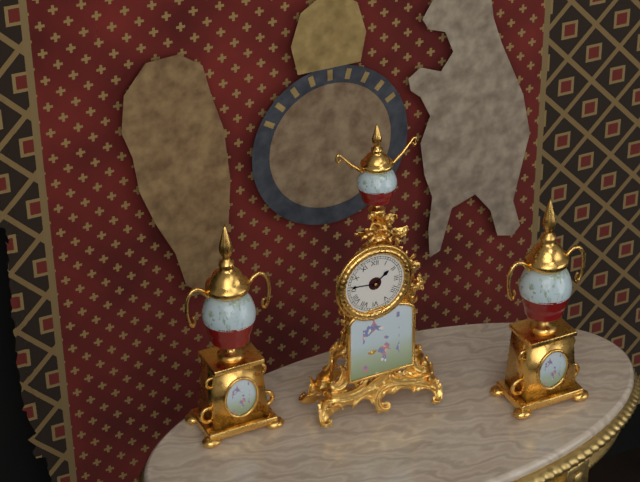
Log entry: 1:46
